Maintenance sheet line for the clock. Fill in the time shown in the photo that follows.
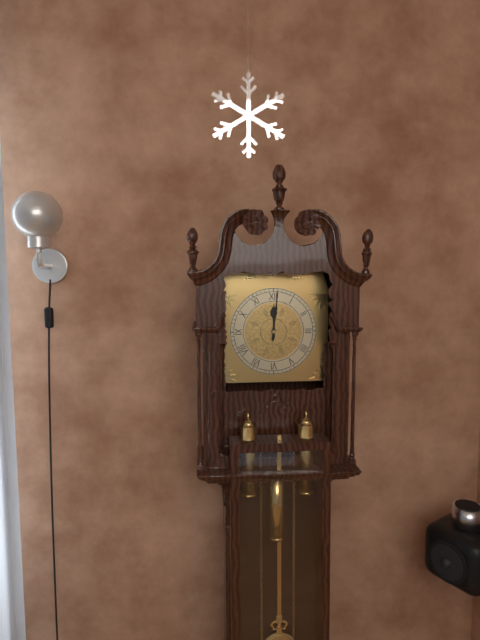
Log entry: 12:01
